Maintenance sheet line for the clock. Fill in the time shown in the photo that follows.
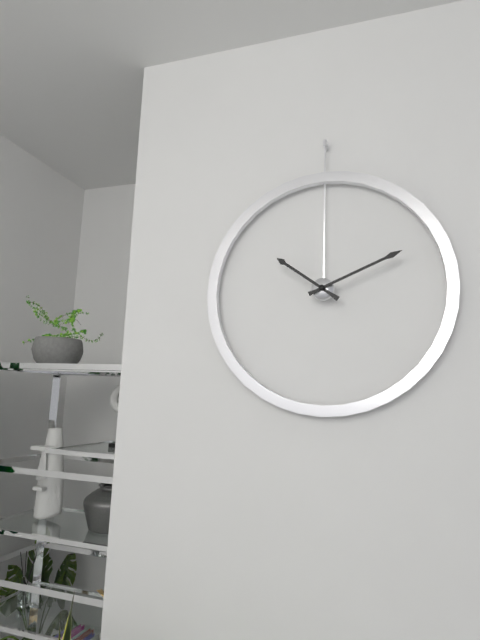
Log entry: 10:11
